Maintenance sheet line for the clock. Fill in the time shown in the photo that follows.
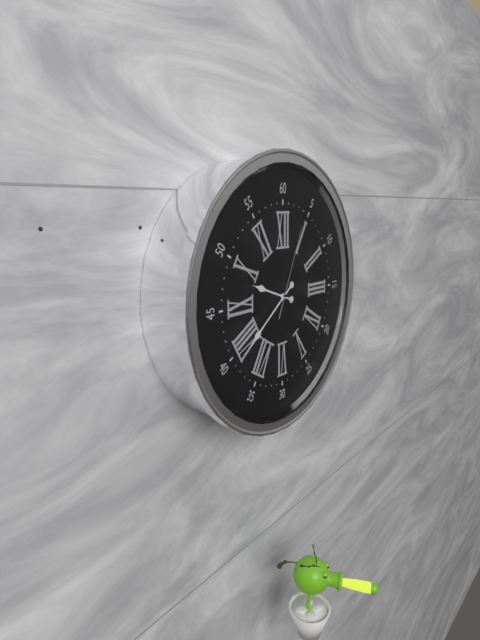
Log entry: 9:39:04
